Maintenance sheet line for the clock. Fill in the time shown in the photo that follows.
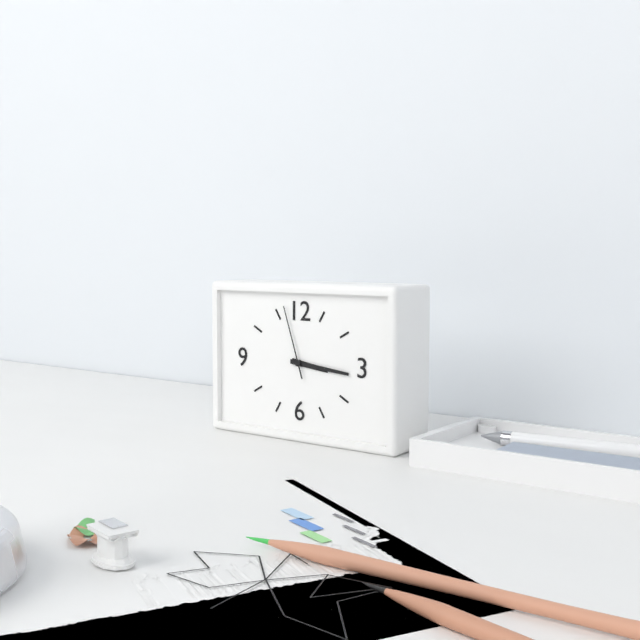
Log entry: 3:16:57
